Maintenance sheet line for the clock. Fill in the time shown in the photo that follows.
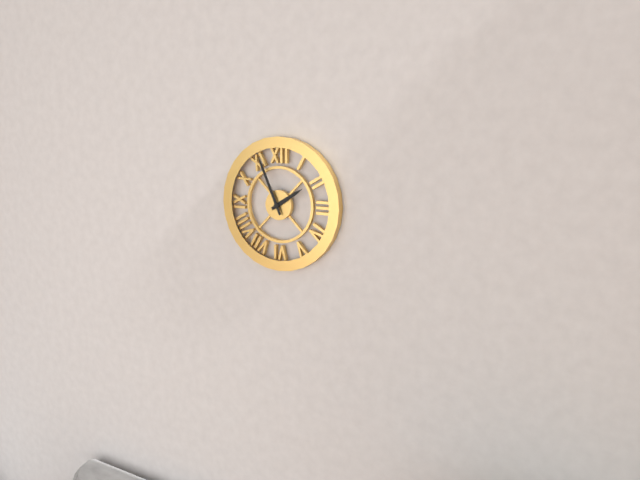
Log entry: 1:56
